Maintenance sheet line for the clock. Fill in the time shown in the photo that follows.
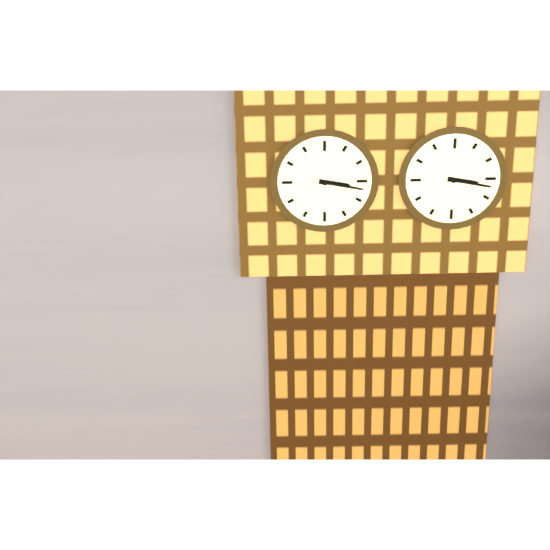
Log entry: 3:17
